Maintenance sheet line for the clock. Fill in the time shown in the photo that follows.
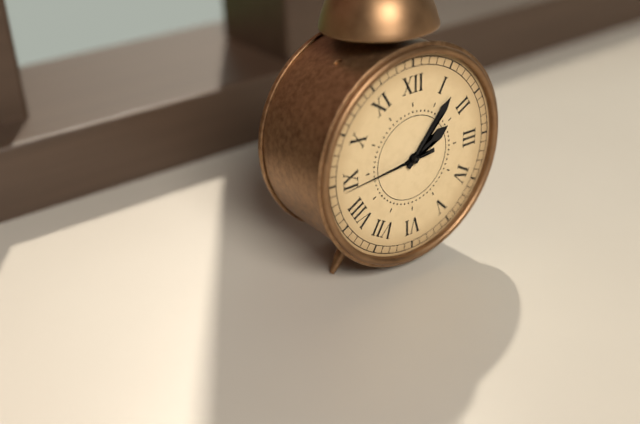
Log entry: 2:07:44
